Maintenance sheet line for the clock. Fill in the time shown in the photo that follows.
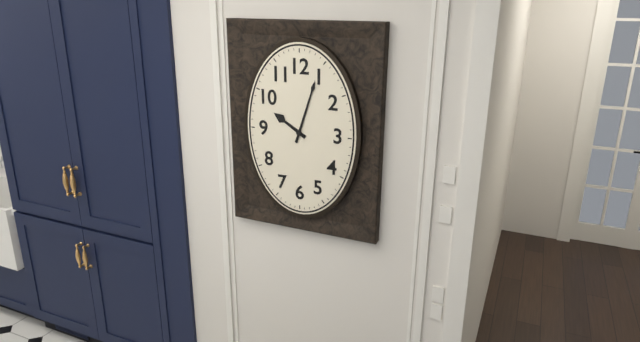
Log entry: 10:03
